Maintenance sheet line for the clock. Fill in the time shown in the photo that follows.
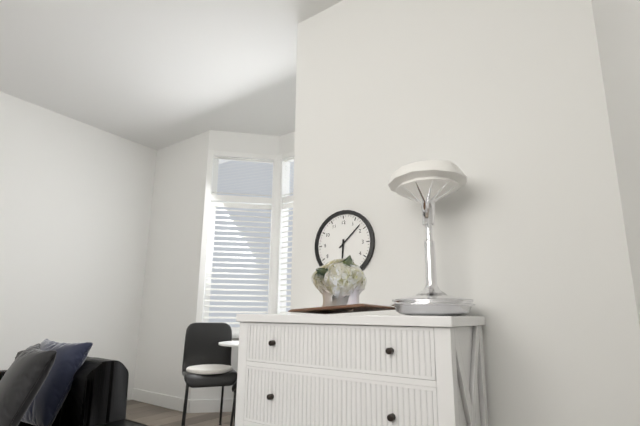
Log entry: 6:08
